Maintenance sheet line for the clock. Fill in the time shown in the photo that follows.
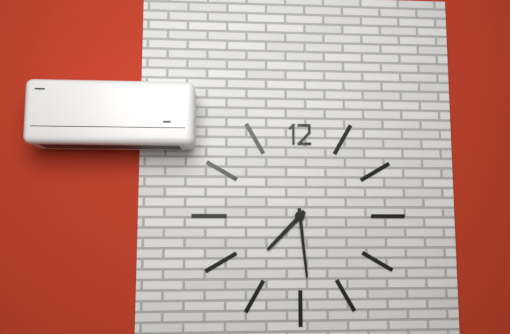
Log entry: 7:29
